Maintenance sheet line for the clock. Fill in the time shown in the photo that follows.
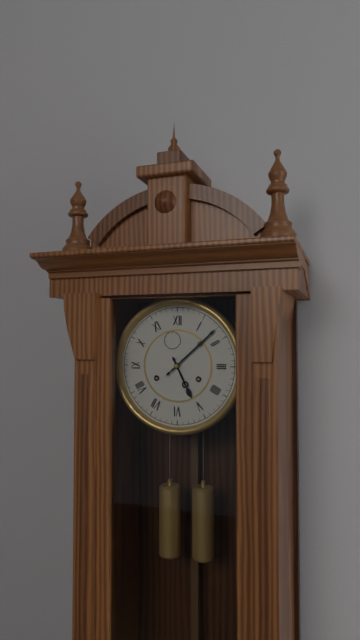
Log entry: 5:08
